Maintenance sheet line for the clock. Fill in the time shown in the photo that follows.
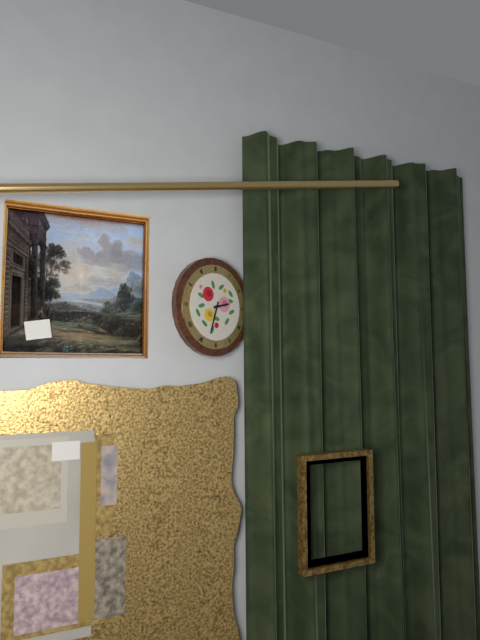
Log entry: 2:33
